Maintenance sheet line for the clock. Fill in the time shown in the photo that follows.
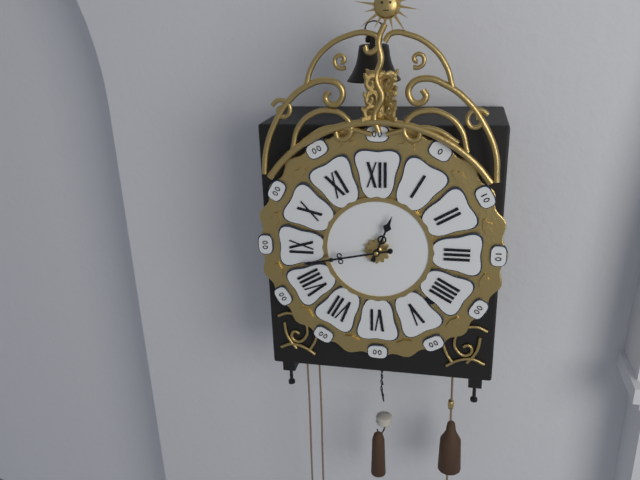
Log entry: 12:43
